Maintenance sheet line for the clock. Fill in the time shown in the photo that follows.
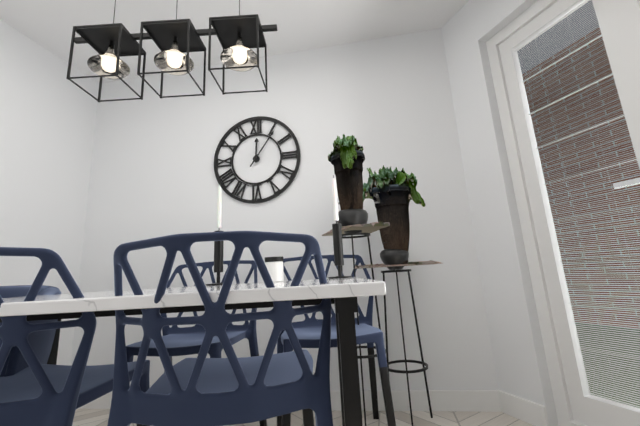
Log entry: 12:06
